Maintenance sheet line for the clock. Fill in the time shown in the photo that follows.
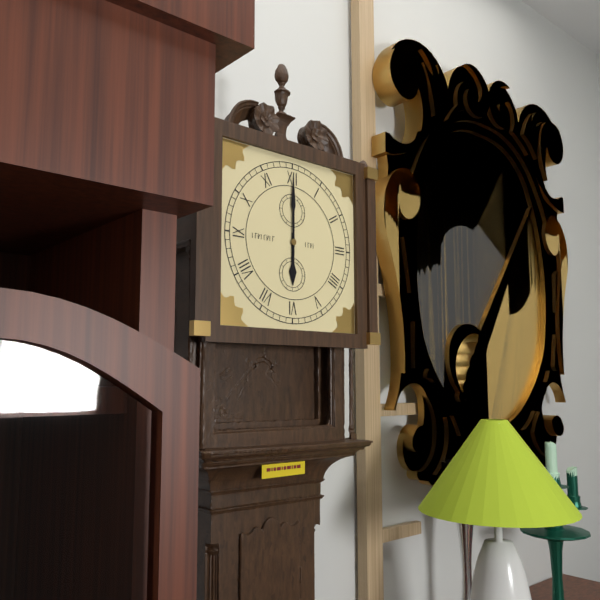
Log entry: 6:00
